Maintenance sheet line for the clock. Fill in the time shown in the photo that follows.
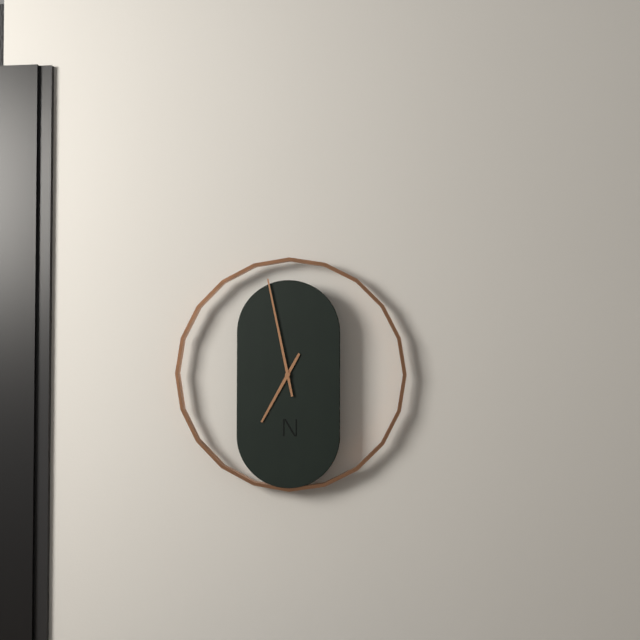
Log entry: 6:58
